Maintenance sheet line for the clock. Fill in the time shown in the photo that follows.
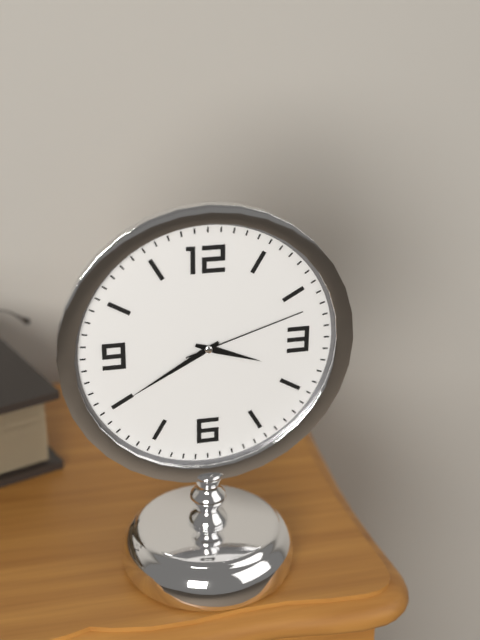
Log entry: 3:40:12
